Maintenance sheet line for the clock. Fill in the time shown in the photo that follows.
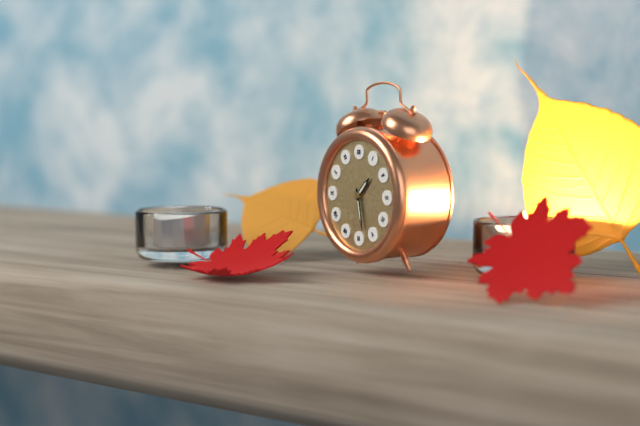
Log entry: 1:28
